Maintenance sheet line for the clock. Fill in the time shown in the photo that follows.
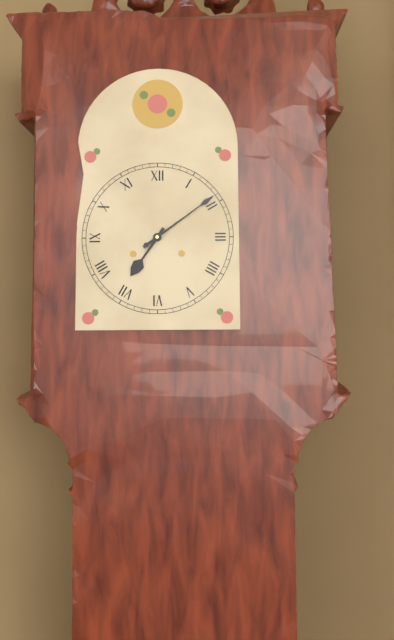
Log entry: 7:09
